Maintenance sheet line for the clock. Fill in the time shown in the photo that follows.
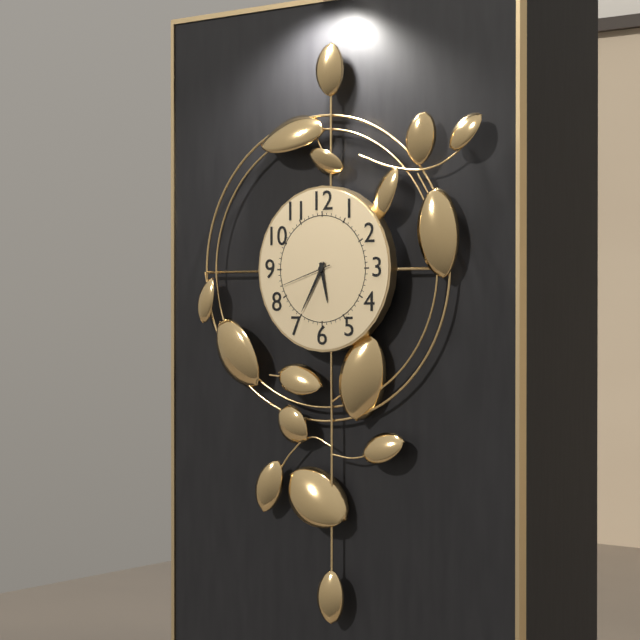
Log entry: 5:35:42
